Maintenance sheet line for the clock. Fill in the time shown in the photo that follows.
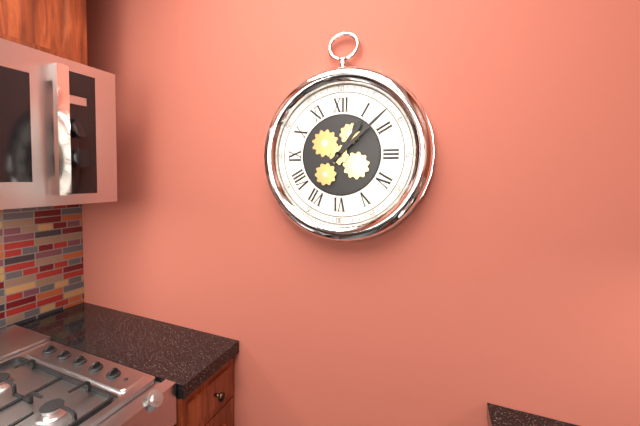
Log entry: 1:08
